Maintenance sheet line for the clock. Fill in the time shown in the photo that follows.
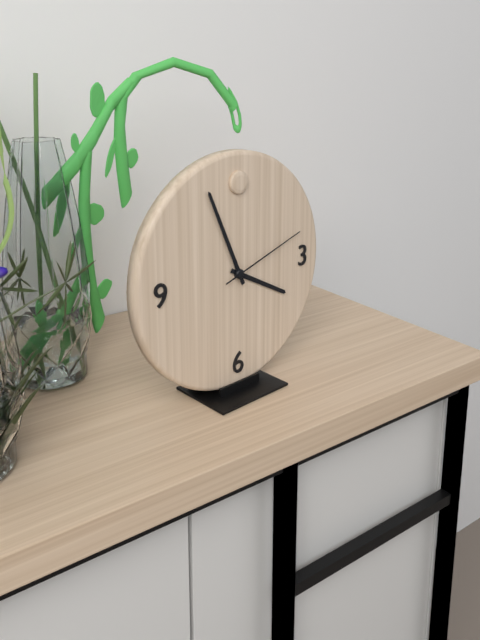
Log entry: 3:56:12
